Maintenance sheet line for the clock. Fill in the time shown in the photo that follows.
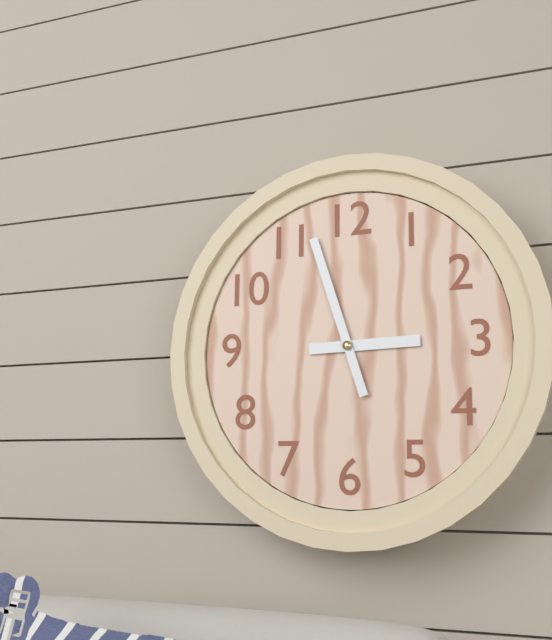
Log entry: 2:57
